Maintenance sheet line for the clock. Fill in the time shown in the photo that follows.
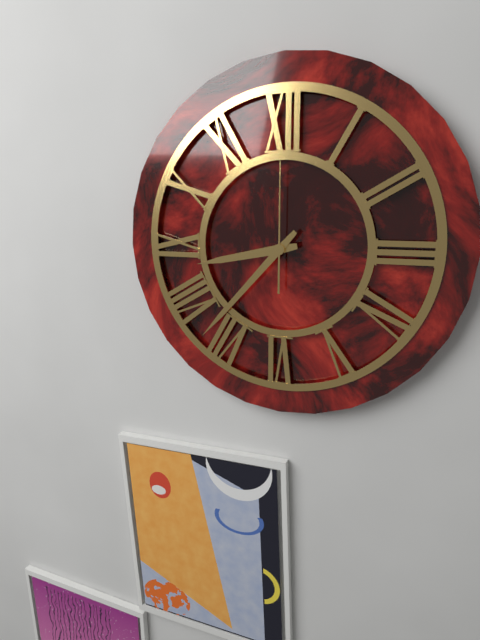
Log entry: 8:37:00
